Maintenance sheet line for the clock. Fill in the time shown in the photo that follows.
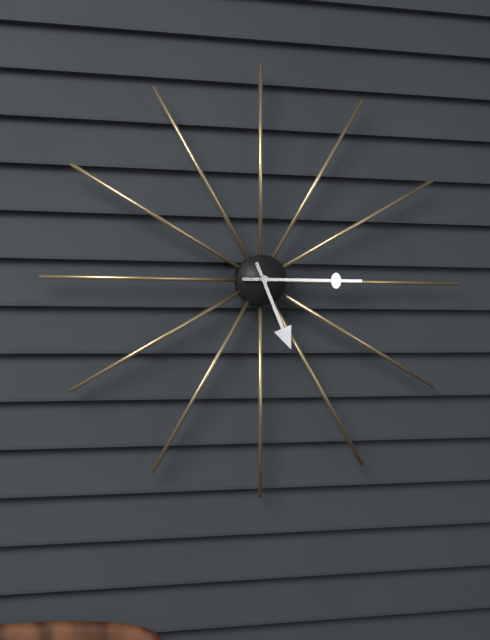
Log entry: 5:15
